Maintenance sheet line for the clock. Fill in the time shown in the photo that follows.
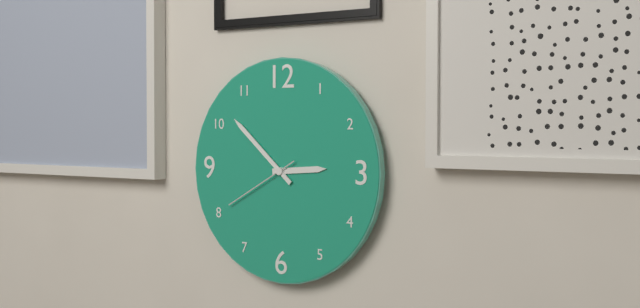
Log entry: 2:52:40
